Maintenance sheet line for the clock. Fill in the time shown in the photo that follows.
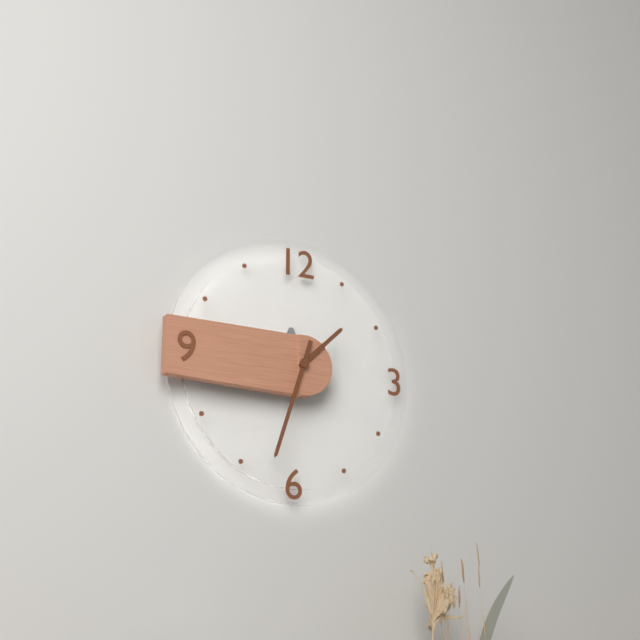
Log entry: 1:33
